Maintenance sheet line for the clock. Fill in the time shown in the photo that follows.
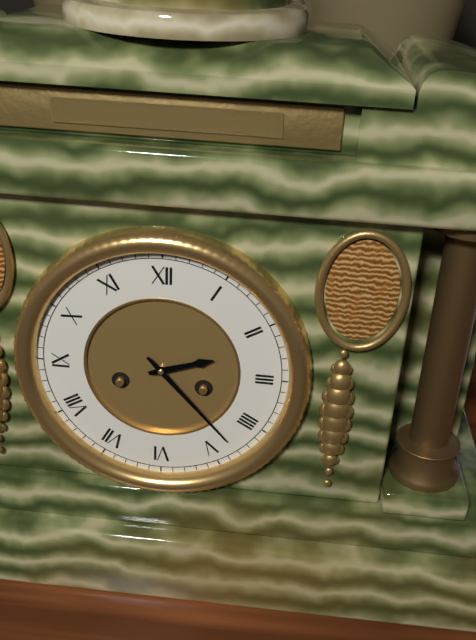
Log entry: 2:23
